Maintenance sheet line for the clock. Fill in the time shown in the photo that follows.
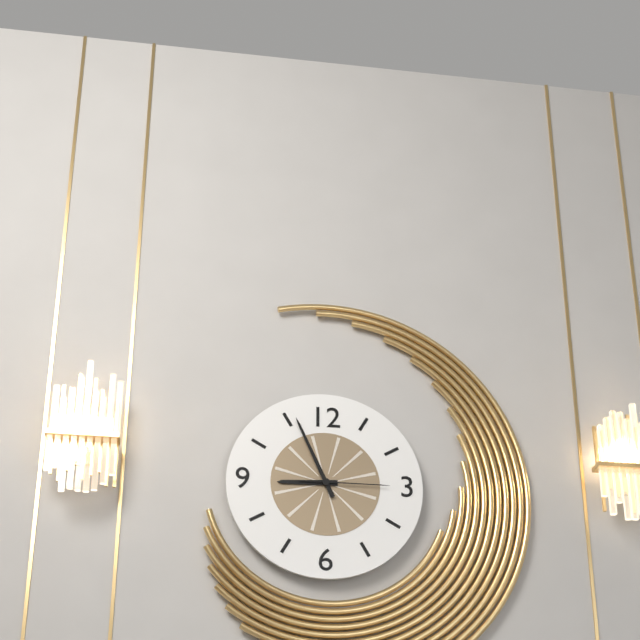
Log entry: 8:56:15
